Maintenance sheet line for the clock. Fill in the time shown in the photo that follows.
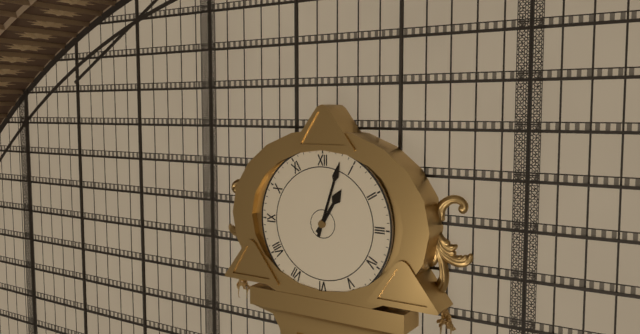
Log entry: 1:03
